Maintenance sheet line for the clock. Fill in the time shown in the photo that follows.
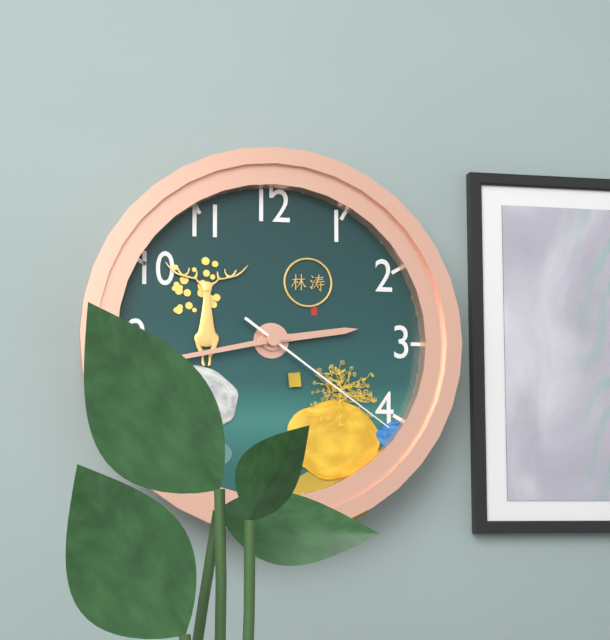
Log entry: 2:43:21
